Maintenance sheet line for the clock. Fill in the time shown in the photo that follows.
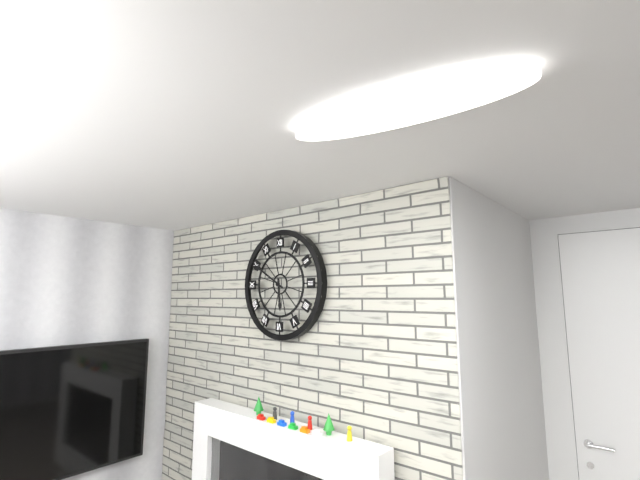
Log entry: 5:50
